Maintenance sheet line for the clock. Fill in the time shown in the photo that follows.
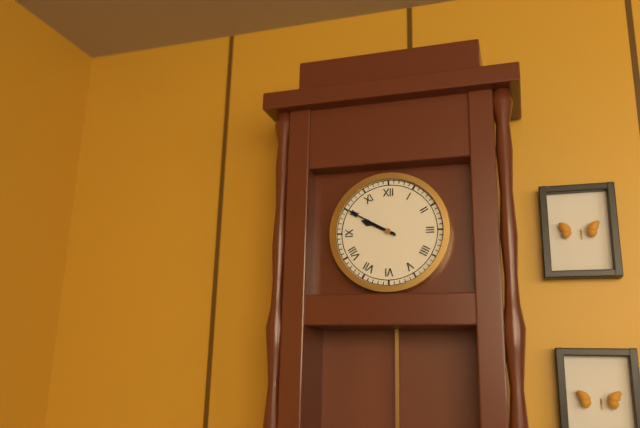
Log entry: 9:50
